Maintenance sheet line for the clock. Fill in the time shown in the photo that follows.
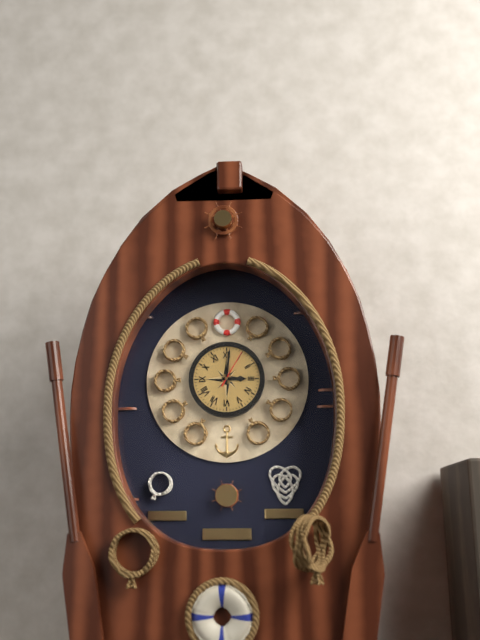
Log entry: 3:01
